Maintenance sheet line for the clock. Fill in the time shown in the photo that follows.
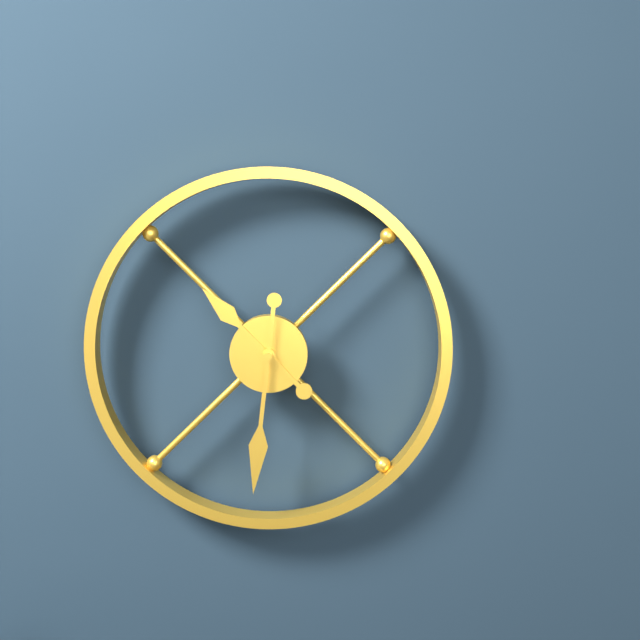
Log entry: 10:31
